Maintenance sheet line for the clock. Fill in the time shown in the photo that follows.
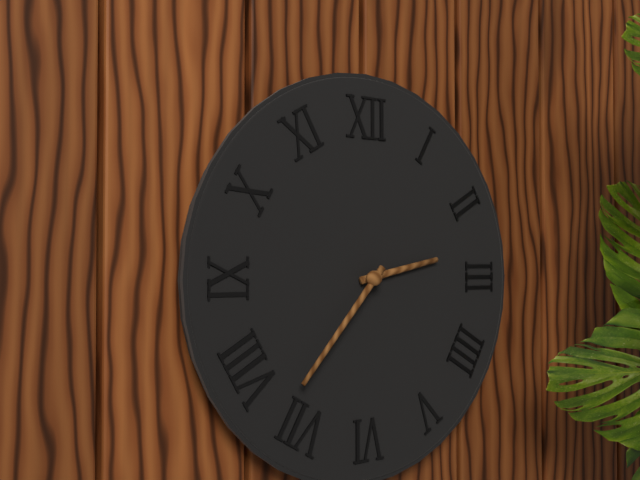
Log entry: 2:37
